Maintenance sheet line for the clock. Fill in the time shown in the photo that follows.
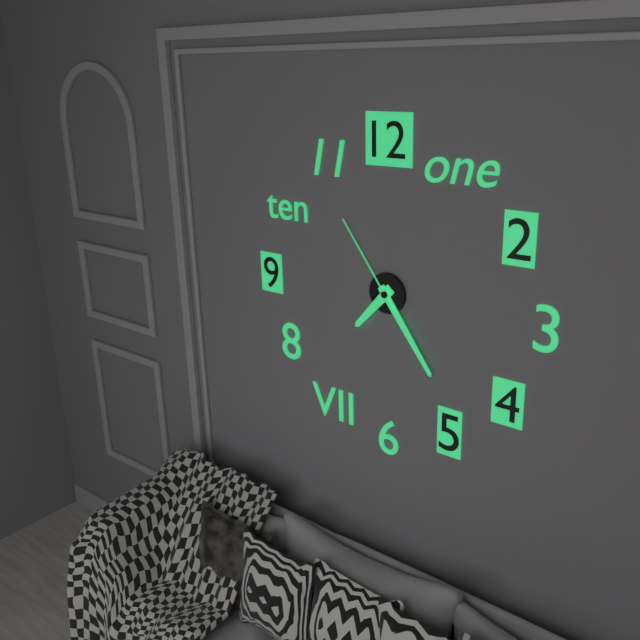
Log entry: 7:24:54
